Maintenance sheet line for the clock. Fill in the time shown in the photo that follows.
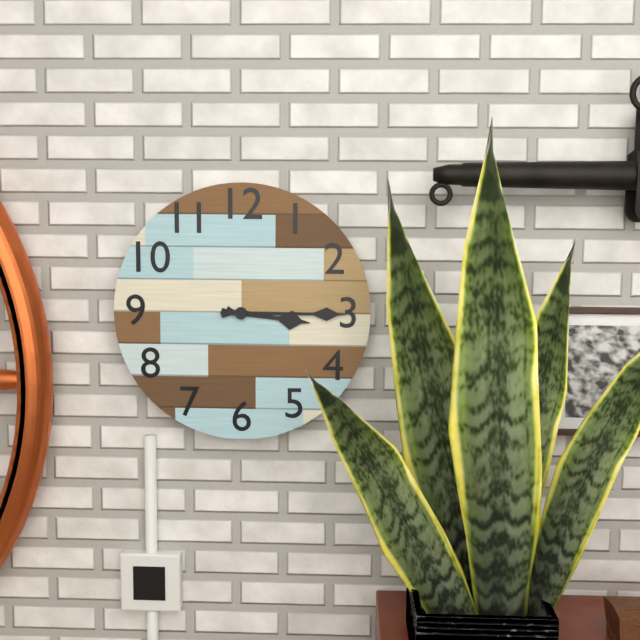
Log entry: 3:15
